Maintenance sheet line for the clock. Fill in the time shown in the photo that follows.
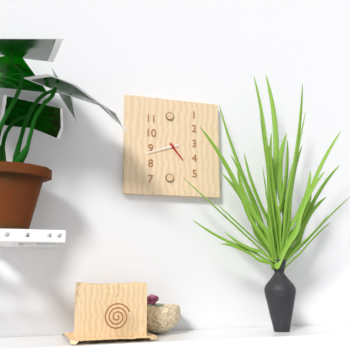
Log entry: 4:42
